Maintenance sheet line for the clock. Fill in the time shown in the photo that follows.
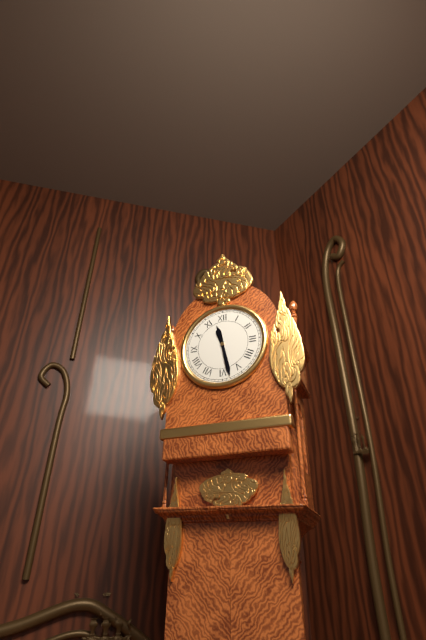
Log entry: 11:28
